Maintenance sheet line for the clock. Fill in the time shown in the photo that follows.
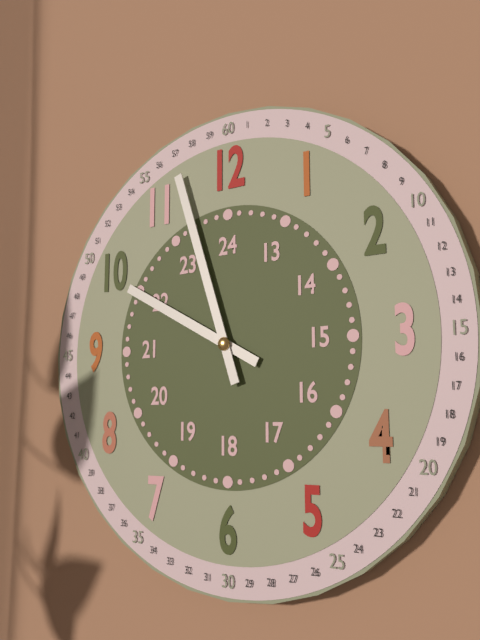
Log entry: 9:57
